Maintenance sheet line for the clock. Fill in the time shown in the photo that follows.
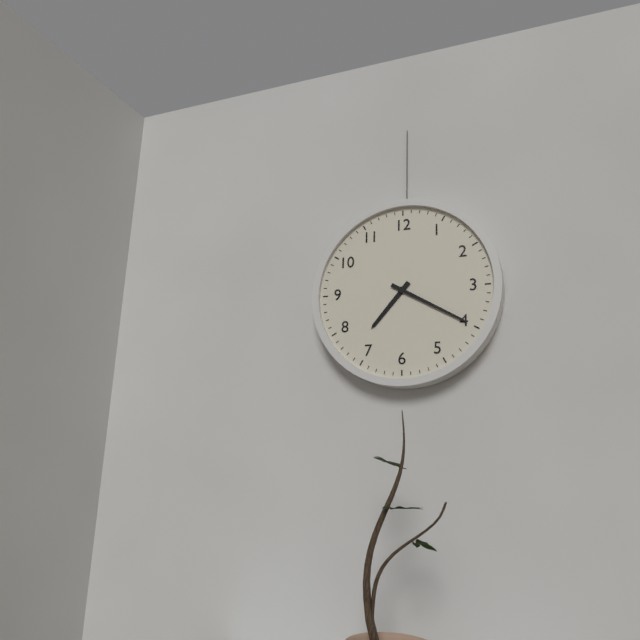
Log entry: 7:20
